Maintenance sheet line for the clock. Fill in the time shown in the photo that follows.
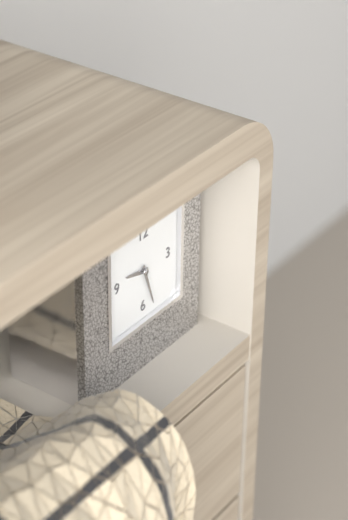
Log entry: 9:27
